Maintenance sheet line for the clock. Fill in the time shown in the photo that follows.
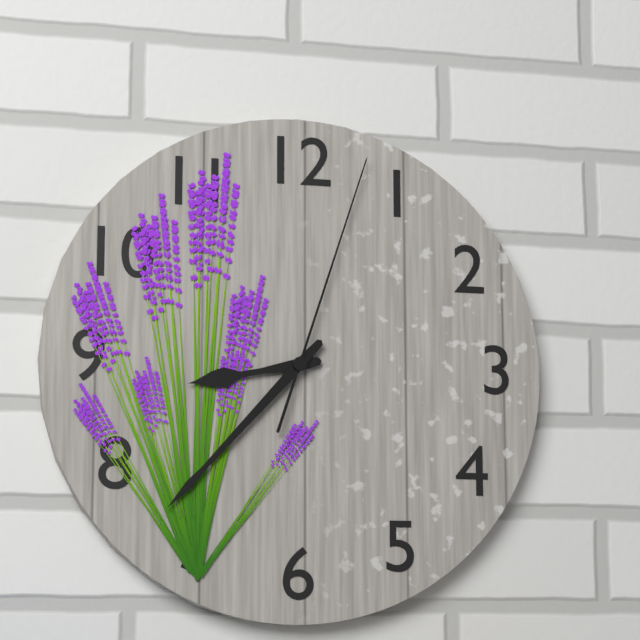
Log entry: 8:37:03
